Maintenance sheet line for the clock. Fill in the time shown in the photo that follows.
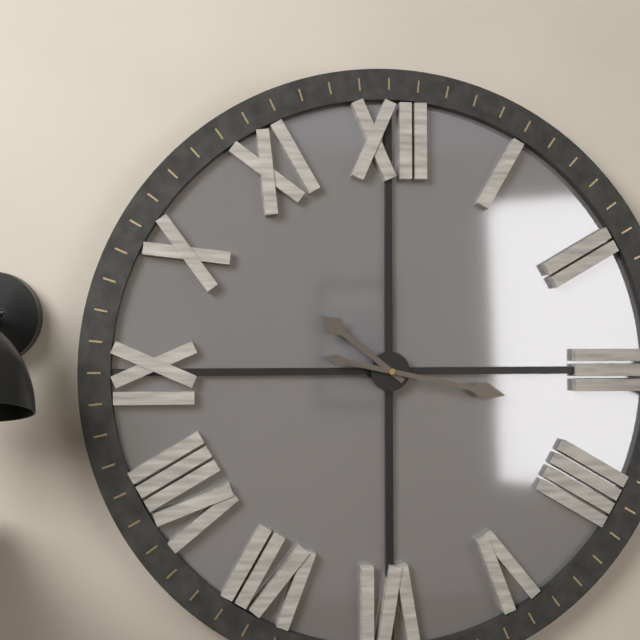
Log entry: 10:17
